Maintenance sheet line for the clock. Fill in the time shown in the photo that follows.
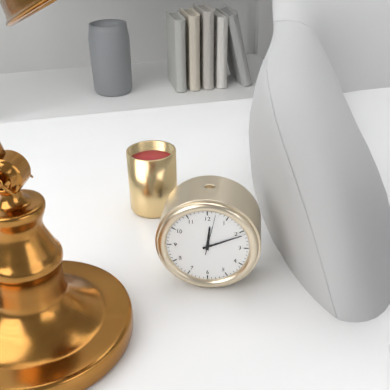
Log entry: 12:11
